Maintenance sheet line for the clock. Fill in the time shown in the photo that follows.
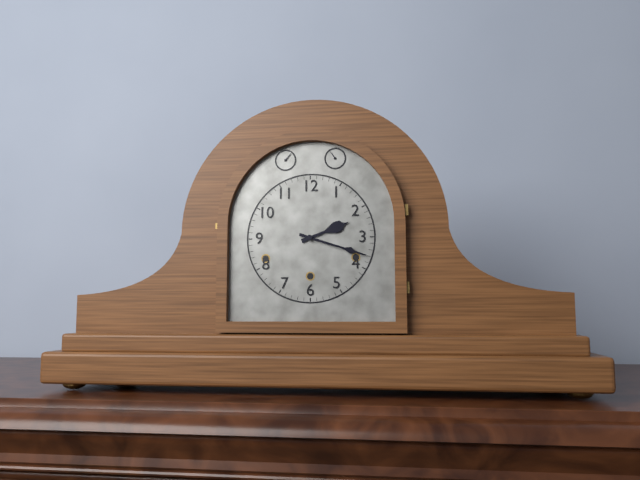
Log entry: 2:18
